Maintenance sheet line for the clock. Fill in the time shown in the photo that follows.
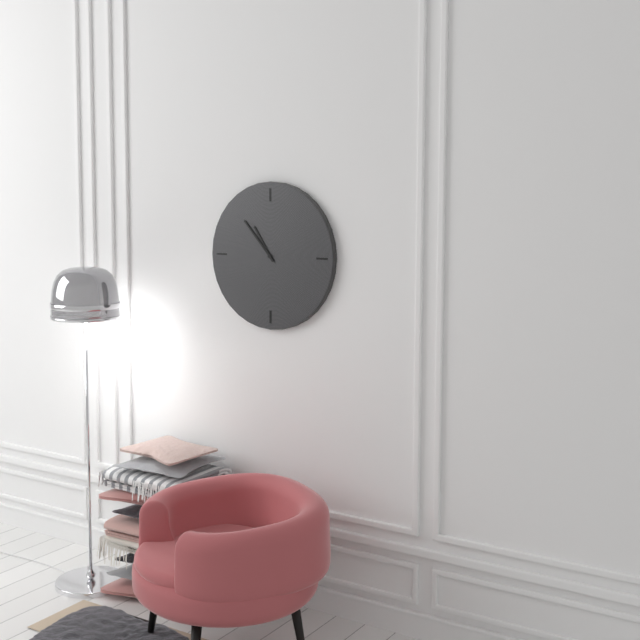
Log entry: 10:53
